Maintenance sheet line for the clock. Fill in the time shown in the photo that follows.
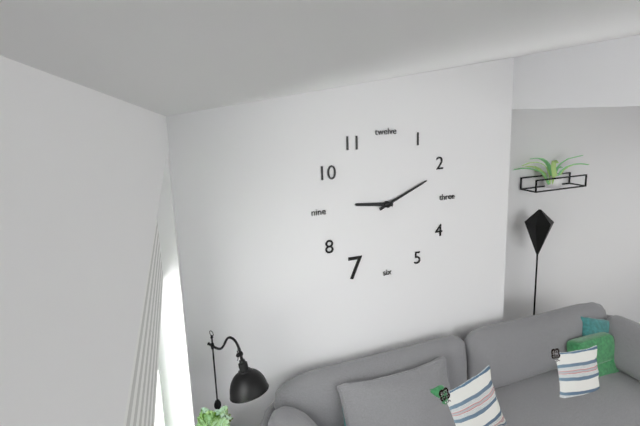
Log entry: 9:11
